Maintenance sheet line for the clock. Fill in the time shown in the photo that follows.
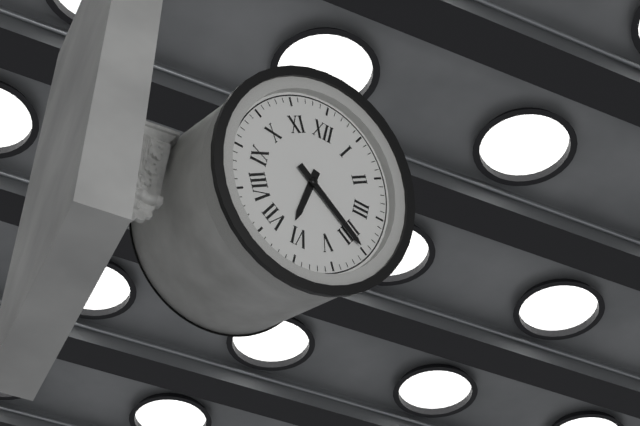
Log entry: 6:20
